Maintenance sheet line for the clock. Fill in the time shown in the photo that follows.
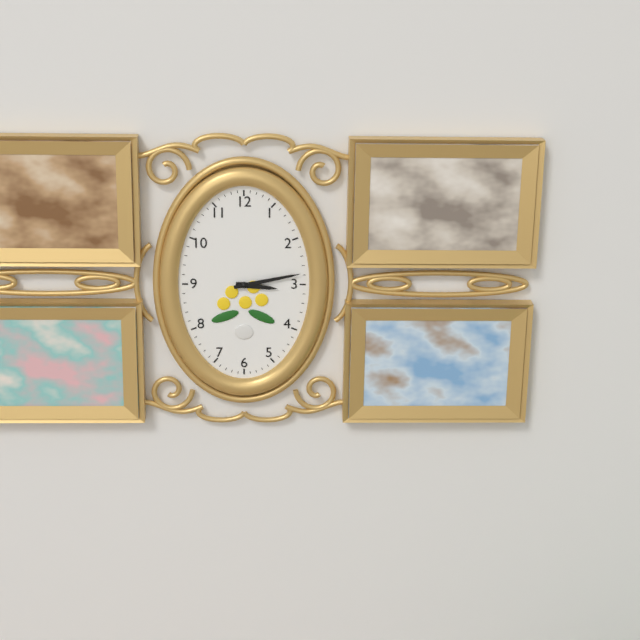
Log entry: 3:13
